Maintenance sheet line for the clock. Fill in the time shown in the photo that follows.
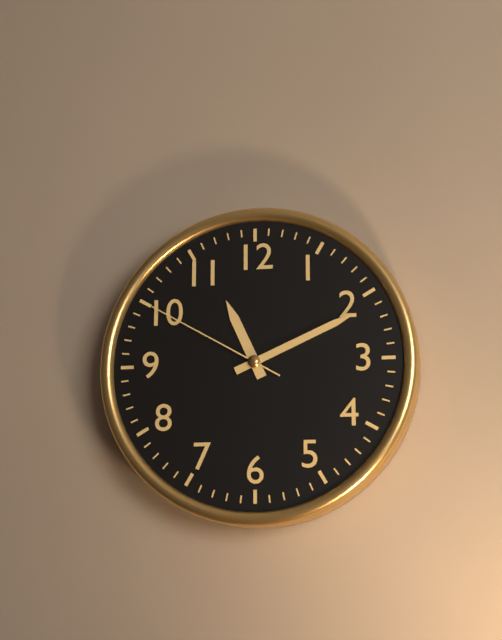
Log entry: 11:11:50
